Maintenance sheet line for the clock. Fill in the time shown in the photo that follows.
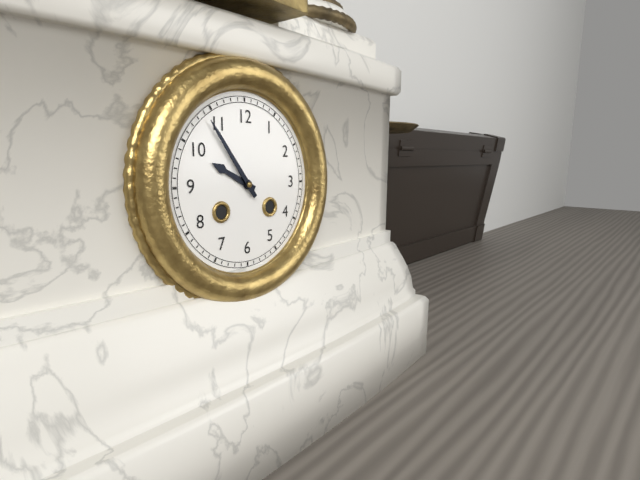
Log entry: 9:54
